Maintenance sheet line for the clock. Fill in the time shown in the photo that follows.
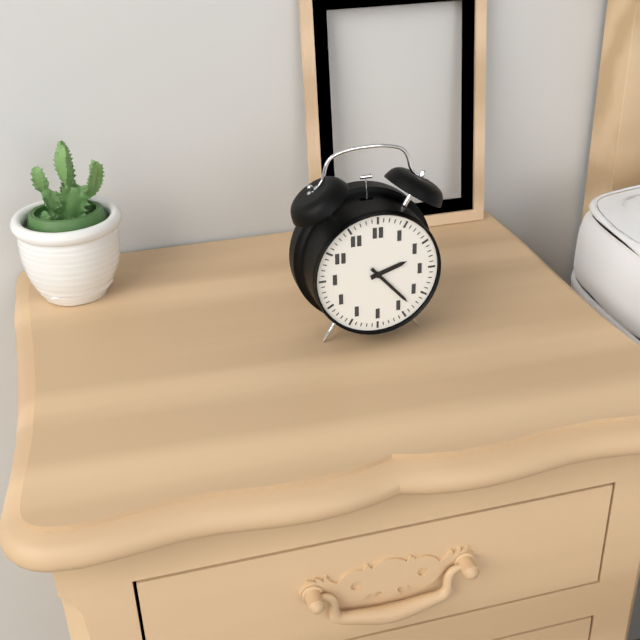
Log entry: 2:23
